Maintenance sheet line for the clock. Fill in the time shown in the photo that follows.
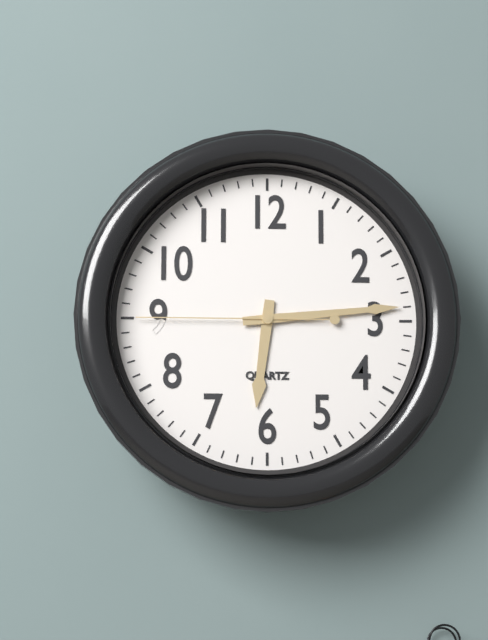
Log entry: 6:14:45
